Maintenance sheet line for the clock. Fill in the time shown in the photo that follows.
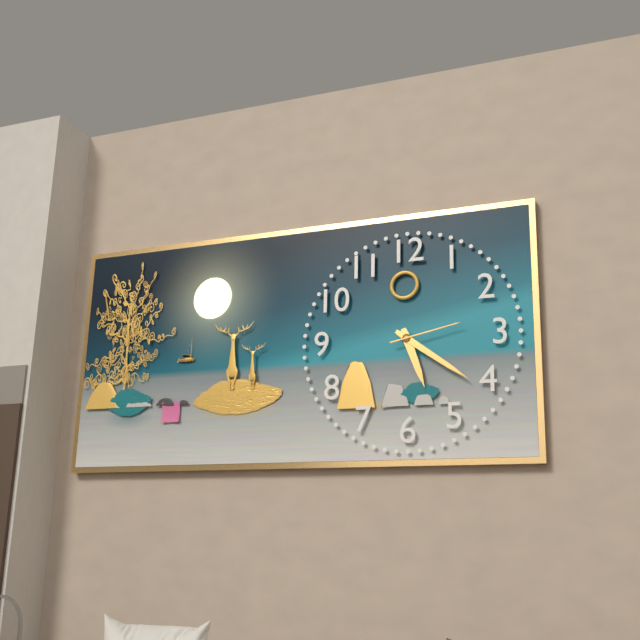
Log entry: 5:21:13
